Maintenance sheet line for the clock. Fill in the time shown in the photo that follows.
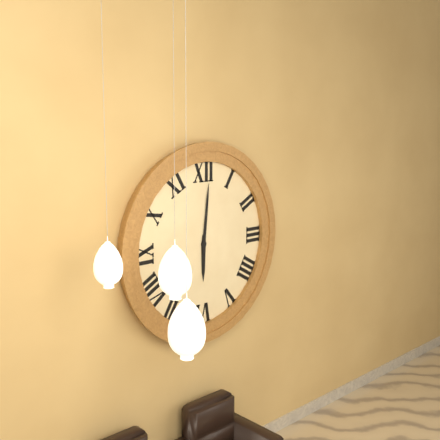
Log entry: 6:01
